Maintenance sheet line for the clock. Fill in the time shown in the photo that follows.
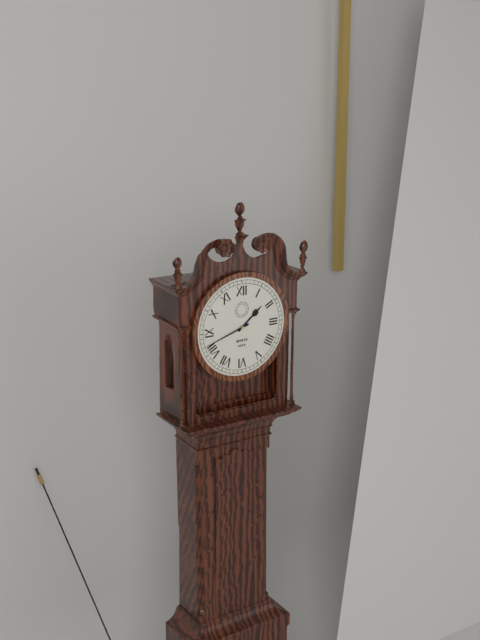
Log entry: 1:42
